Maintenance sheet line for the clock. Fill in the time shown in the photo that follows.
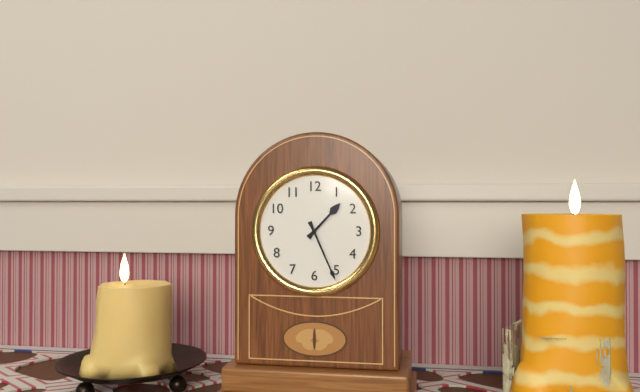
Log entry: 1:26
